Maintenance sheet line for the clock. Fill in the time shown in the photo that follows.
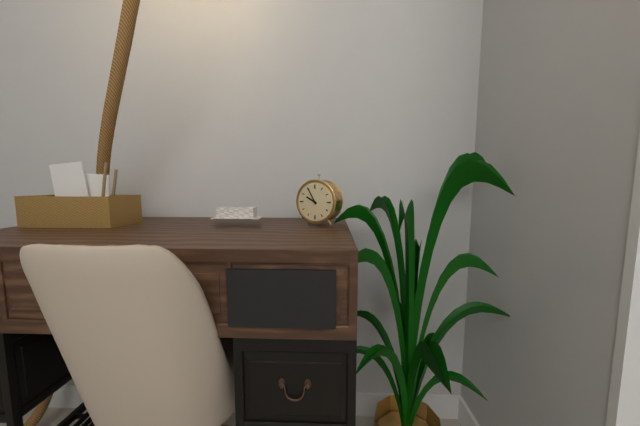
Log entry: 9:55
